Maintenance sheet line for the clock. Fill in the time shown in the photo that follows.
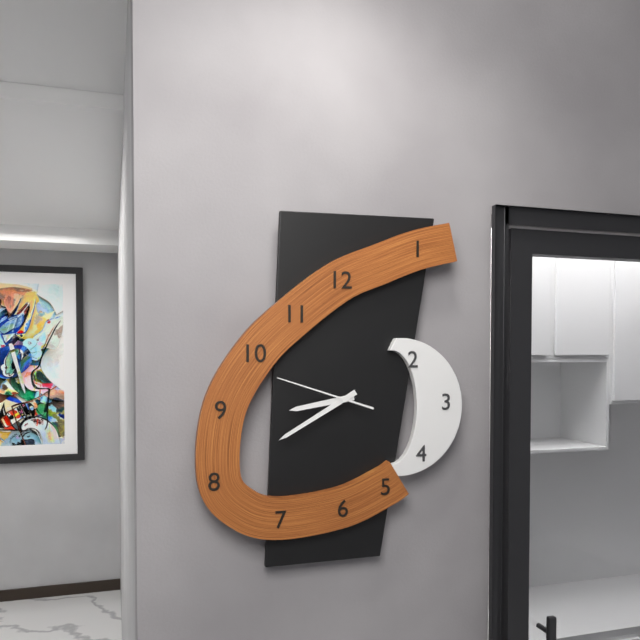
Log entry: 8:40:48
